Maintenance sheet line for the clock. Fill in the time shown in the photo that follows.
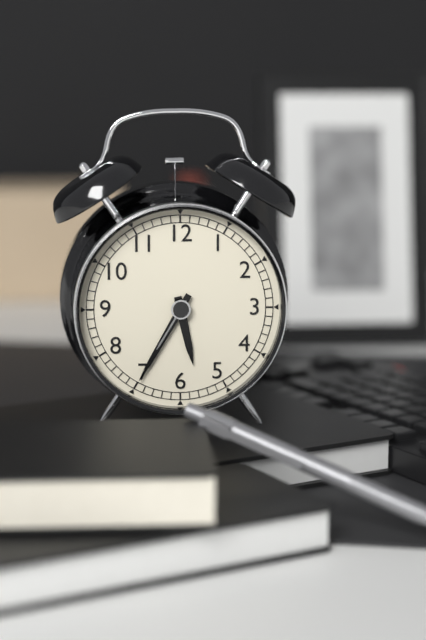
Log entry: 5:35
